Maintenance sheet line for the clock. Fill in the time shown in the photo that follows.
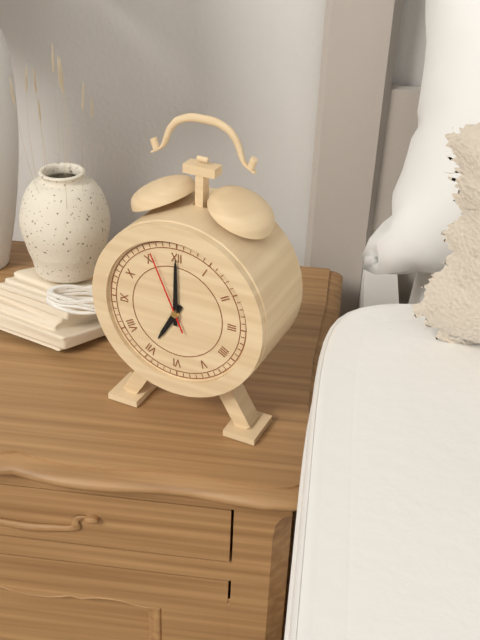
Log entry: 7:00:56
